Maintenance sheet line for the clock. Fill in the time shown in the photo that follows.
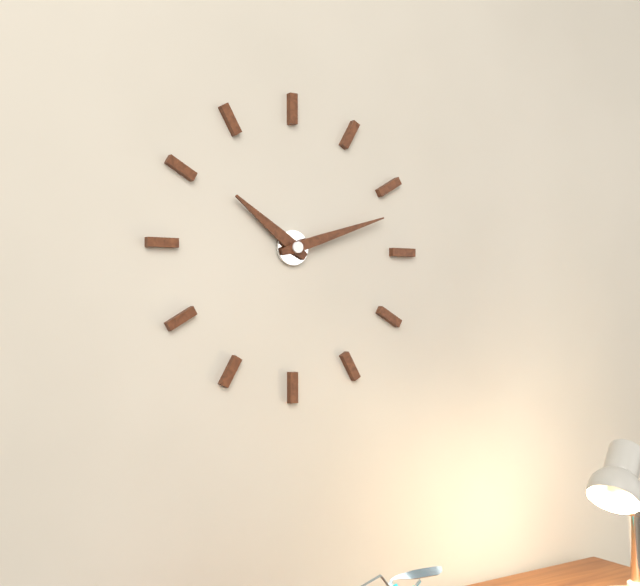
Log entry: 10:12
